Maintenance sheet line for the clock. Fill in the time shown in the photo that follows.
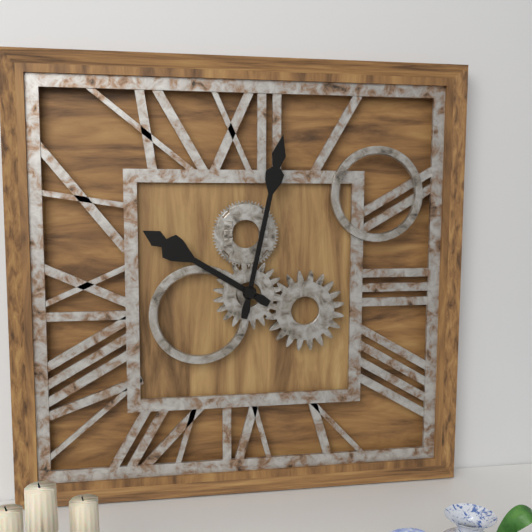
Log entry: 10:02
